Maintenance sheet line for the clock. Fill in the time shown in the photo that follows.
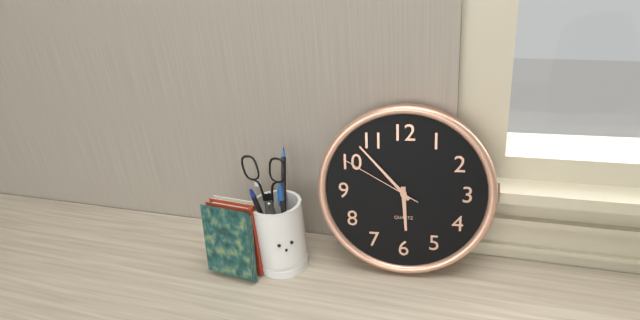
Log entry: 5:53:50
